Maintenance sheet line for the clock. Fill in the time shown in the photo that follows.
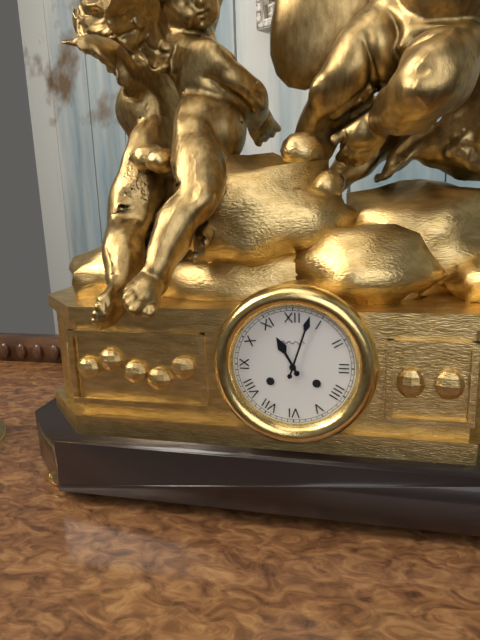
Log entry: 11:03
